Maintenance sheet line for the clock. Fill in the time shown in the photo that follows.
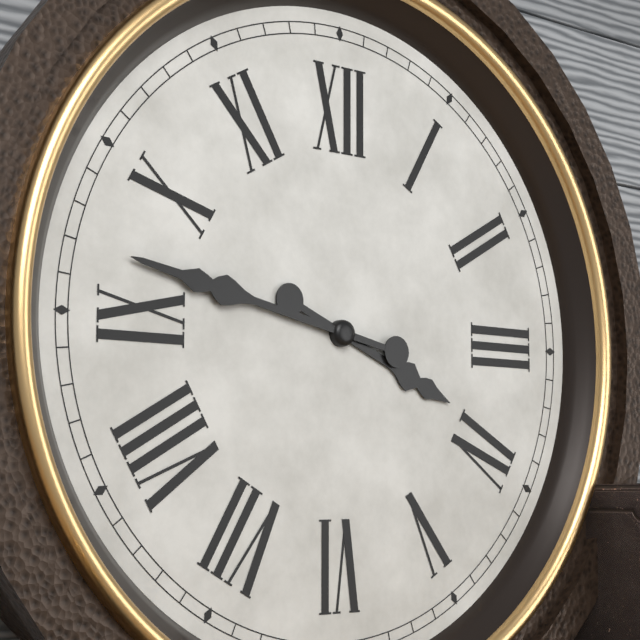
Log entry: 3:47
